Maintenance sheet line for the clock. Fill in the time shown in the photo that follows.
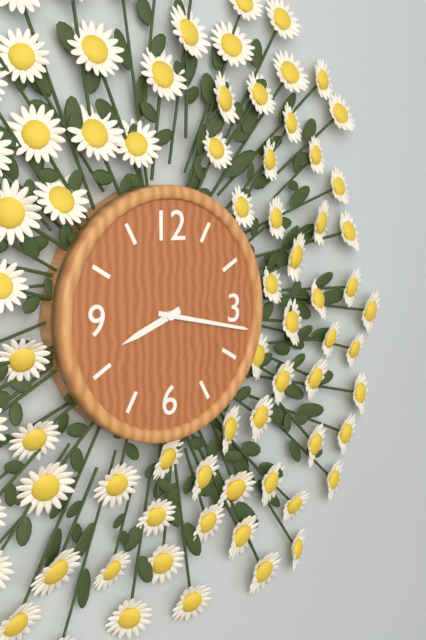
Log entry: 8:17
